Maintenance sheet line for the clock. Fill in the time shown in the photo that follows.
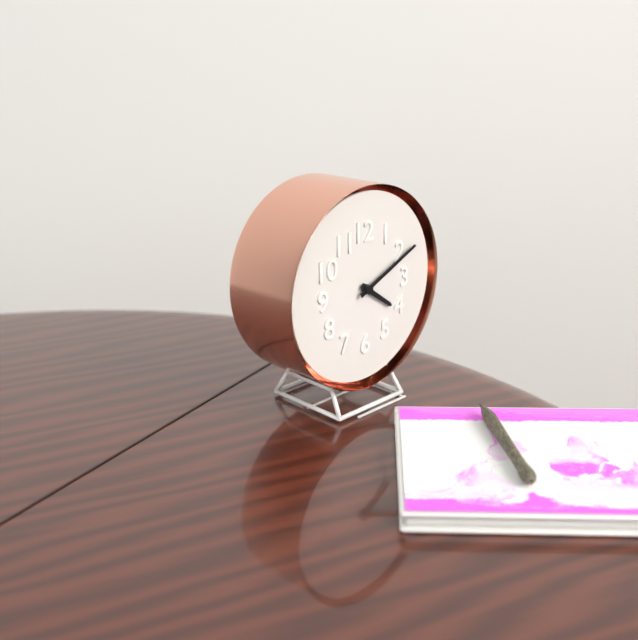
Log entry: 4:11
